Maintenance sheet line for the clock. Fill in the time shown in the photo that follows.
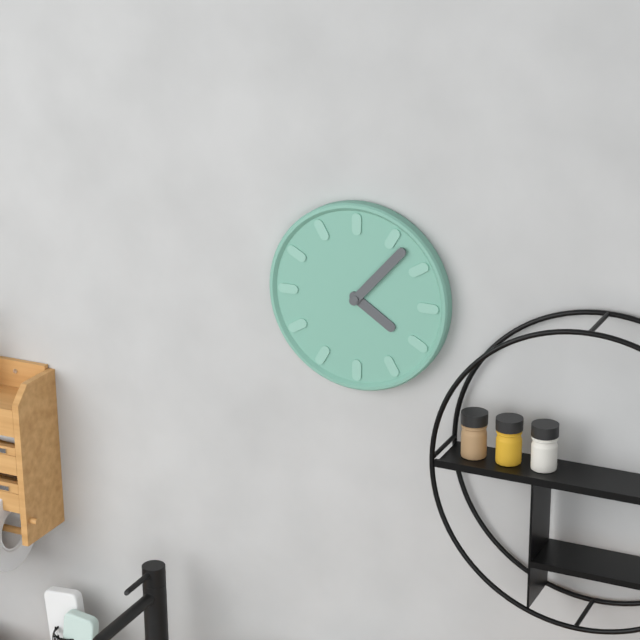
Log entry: 4:07
